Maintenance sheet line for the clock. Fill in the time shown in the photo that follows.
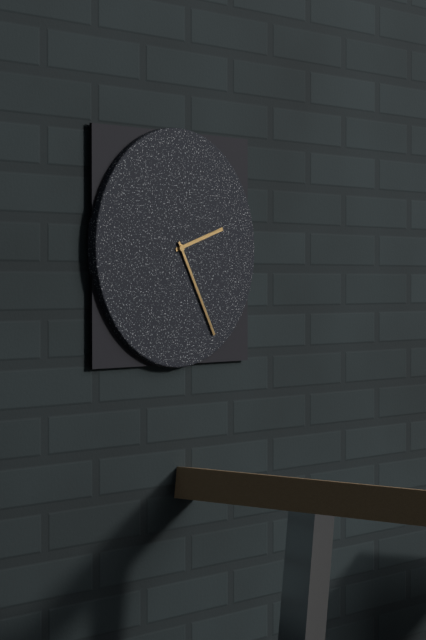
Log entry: 2:25
